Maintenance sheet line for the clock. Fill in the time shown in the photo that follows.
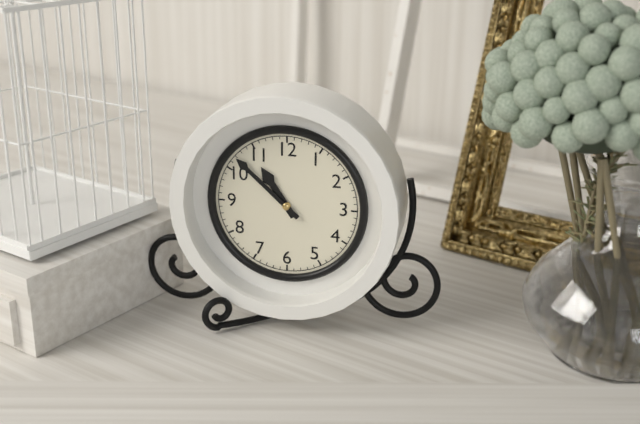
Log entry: 10:52
